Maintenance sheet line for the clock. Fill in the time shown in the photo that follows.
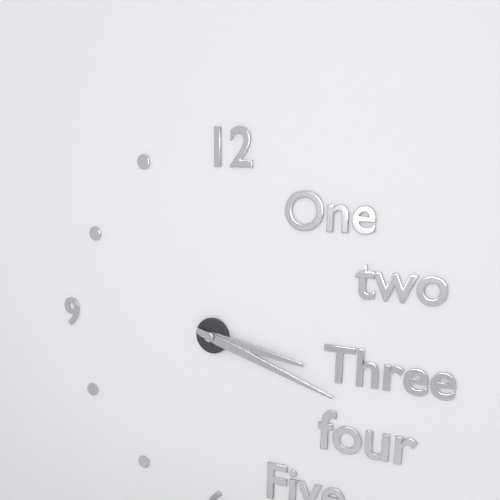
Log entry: 3:18
